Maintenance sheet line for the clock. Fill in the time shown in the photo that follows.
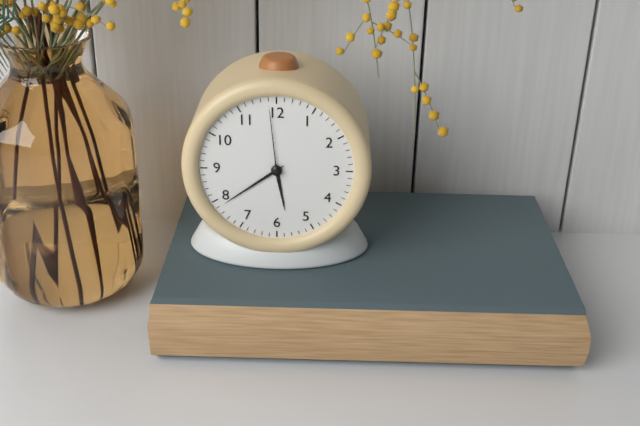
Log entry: 5:39:59
